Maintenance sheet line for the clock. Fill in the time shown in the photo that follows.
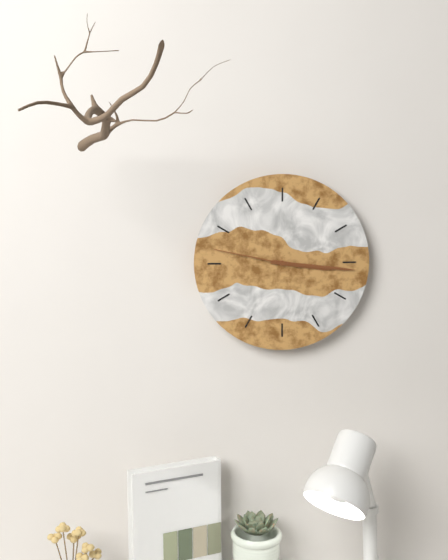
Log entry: 3:16:47
